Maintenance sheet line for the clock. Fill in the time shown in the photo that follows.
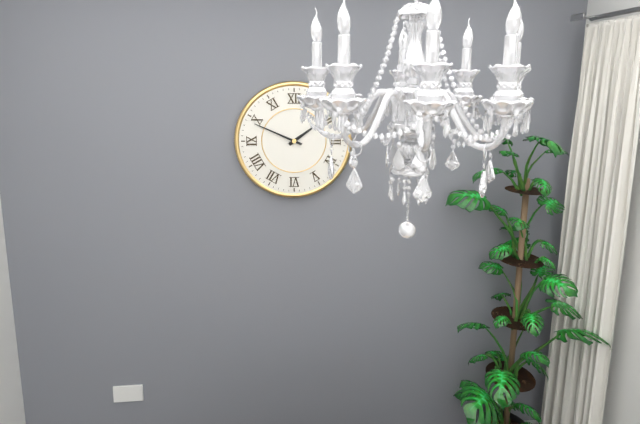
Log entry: 1:49
